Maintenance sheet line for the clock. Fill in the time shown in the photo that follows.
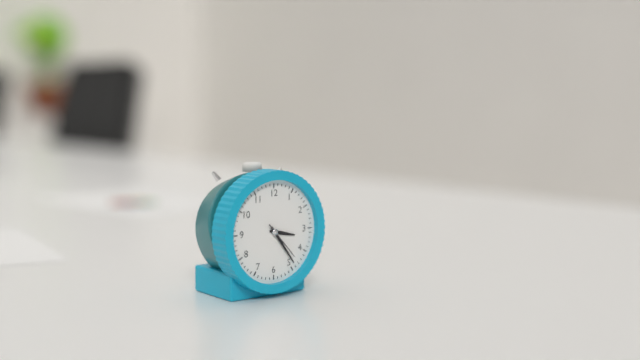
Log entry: 3:24
